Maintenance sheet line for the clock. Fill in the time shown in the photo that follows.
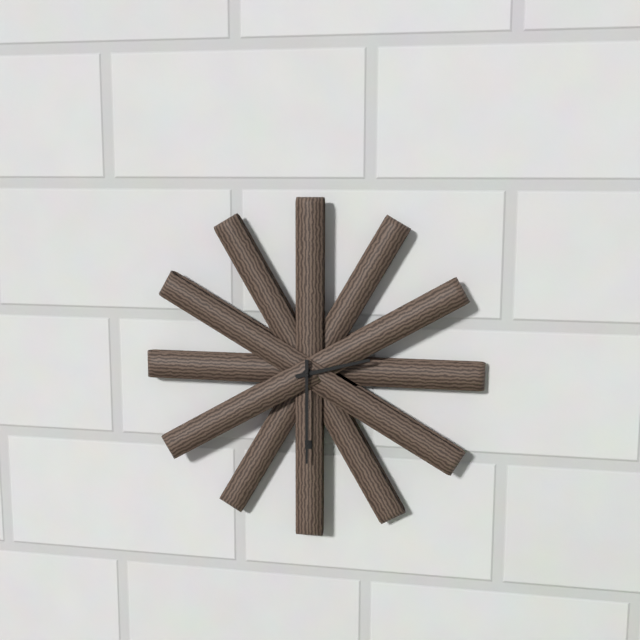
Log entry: 2:30
